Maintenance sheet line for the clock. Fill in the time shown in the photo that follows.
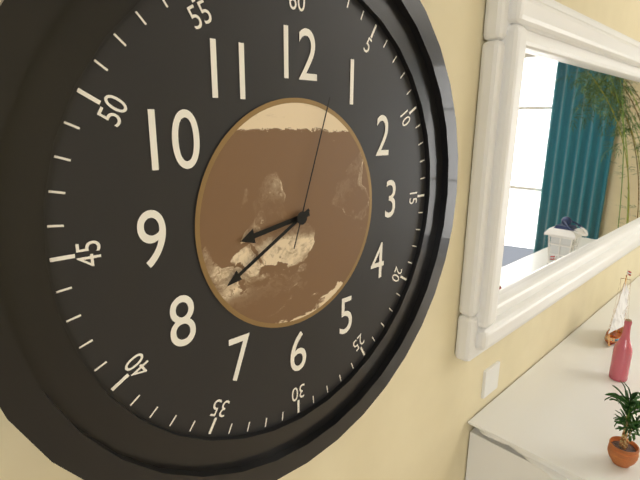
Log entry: 8:40:03
